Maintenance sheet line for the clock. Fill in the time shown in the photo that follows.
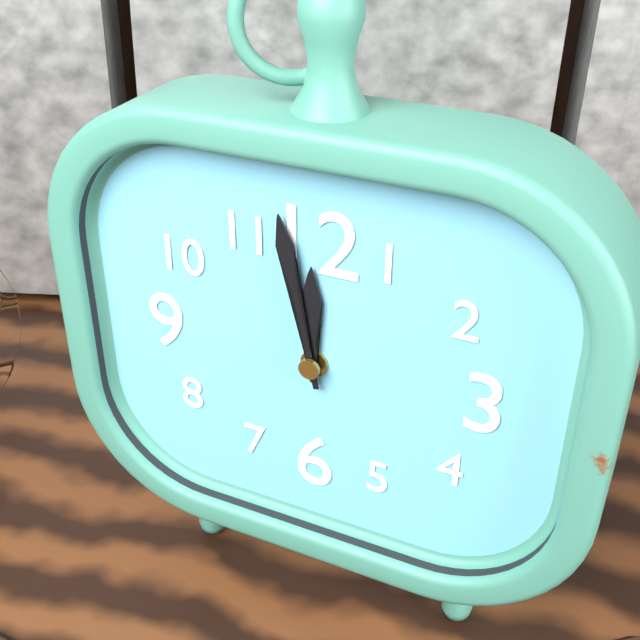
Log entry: 11:58
